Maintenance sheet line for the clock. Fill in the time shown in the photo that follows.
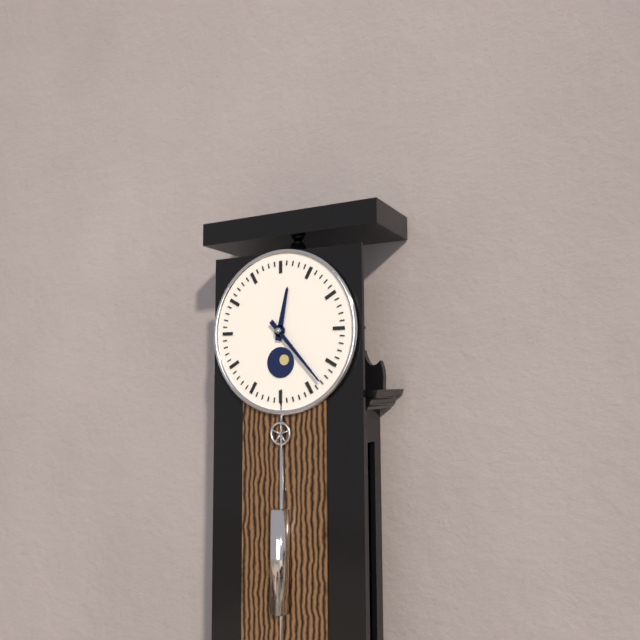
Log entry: 12:23
